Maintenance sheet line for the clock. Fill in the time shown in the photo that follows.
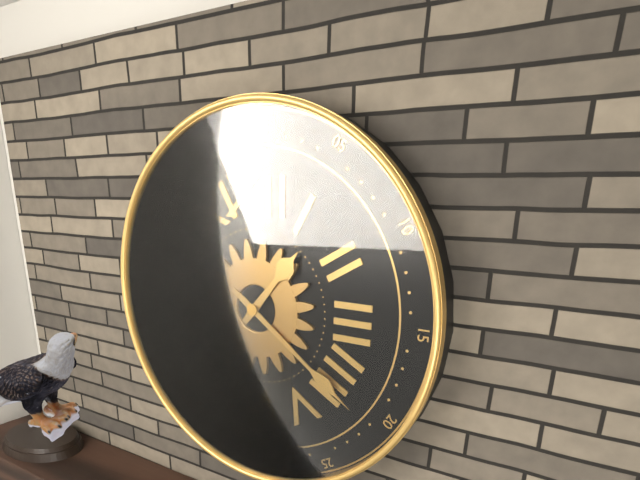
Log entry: 1:21
